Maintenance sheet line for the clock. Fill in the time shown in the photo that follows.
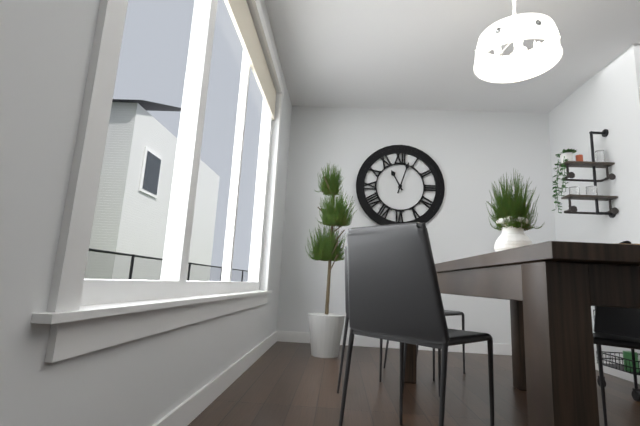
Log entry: 11:03
